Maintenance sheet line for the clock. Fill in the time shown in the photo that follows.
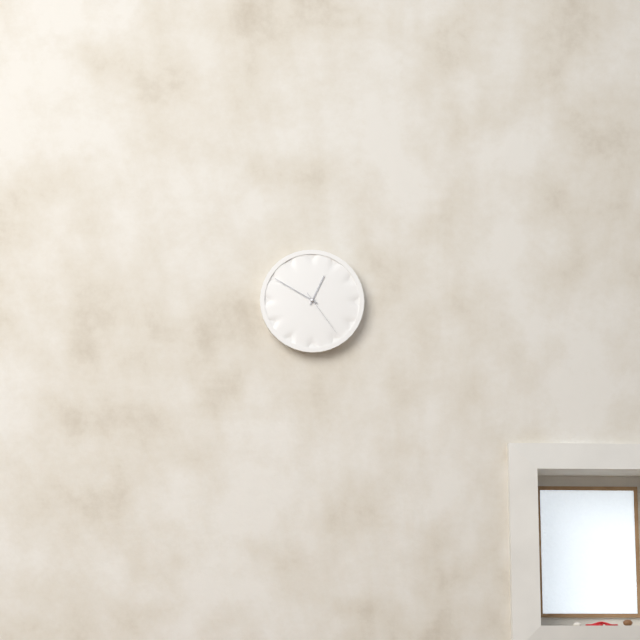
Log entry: 12:50:24
